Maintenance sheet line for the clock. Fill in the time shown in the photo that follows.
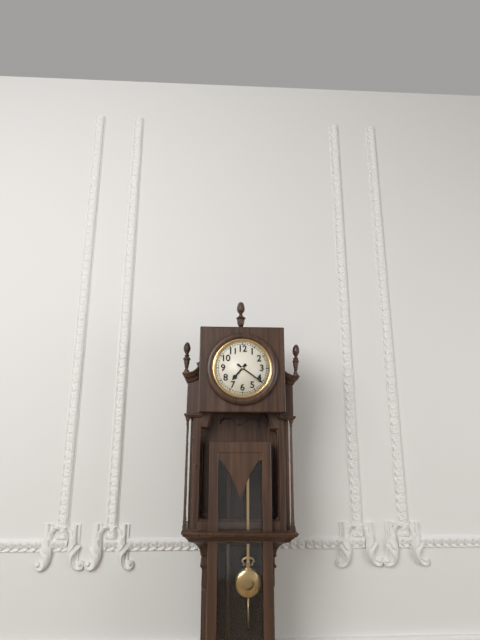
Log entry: 7:21
